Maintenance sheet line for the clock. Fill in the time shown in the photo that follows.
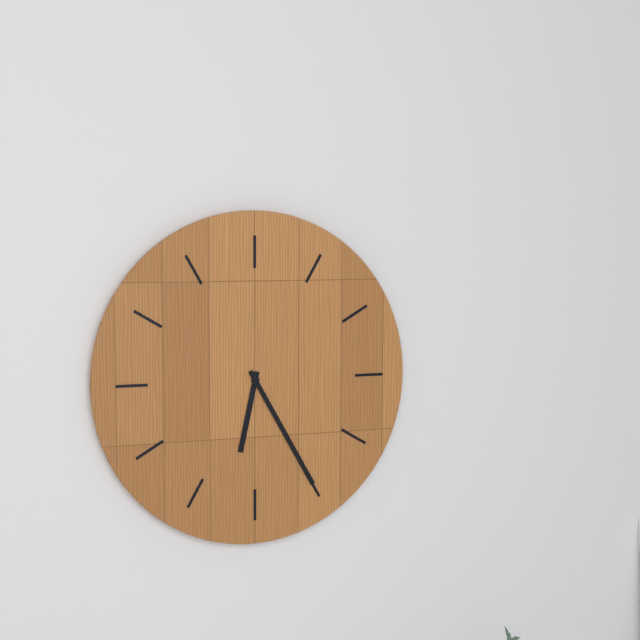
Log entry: 6:25
